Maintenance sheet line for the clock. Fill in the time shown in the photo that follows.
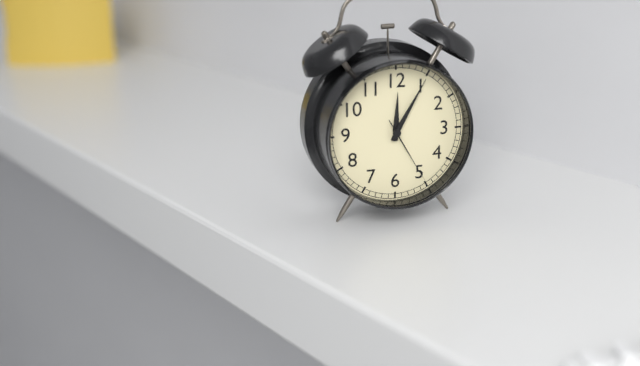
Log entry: 12:05:25
